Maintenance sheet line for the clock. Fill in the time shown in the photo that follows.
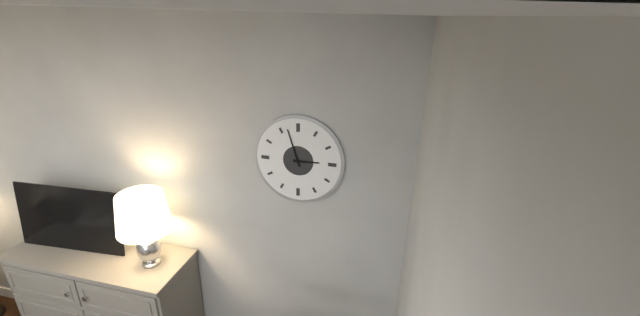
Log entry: 2:57
